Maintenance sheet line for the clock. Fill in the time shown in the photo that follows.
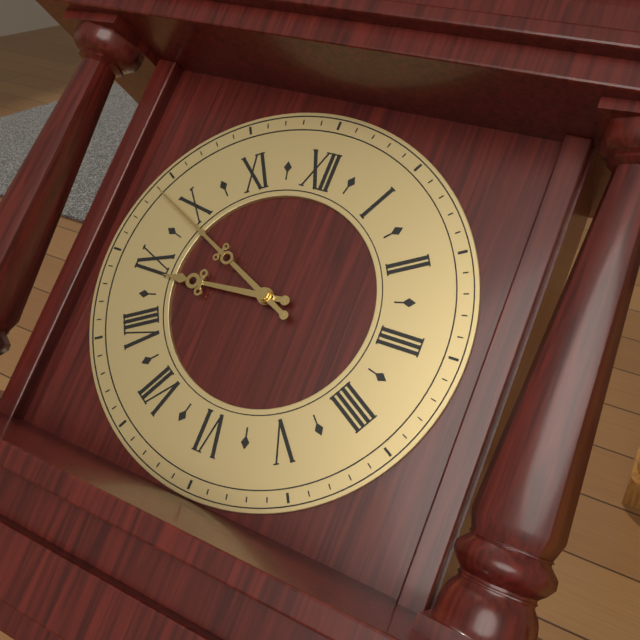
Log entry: 8:49
